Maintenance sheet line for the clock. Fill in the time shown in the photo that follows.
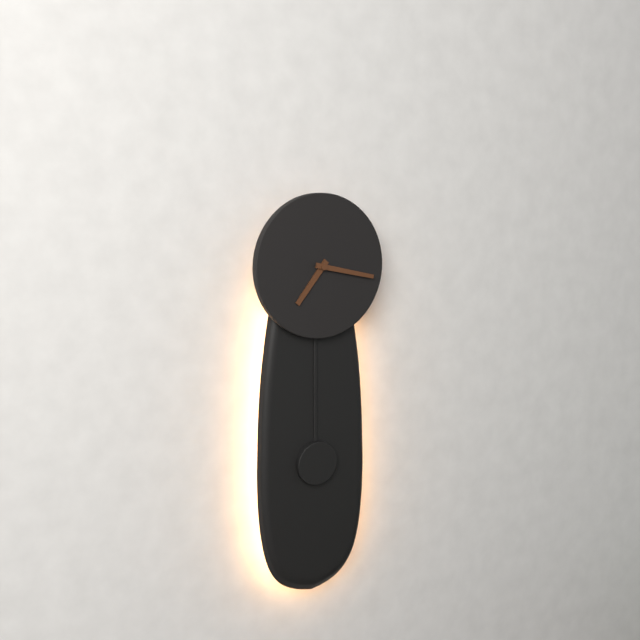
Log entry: 7:17
